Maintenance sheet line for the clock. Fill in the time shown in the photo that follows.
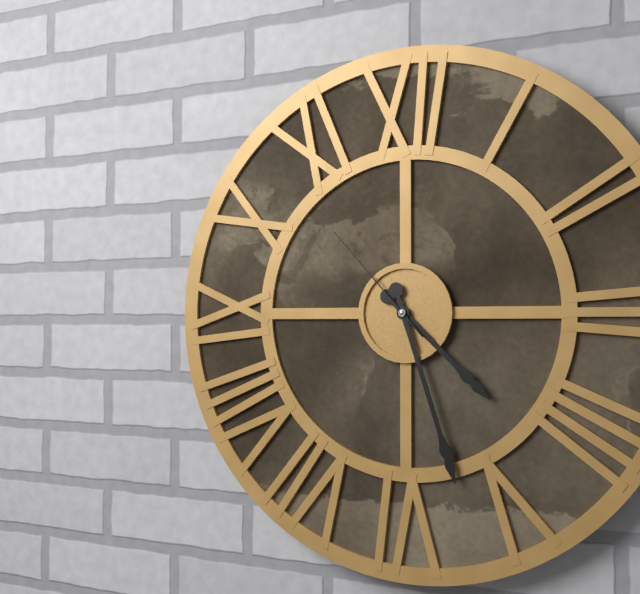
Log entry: 4:27:53
